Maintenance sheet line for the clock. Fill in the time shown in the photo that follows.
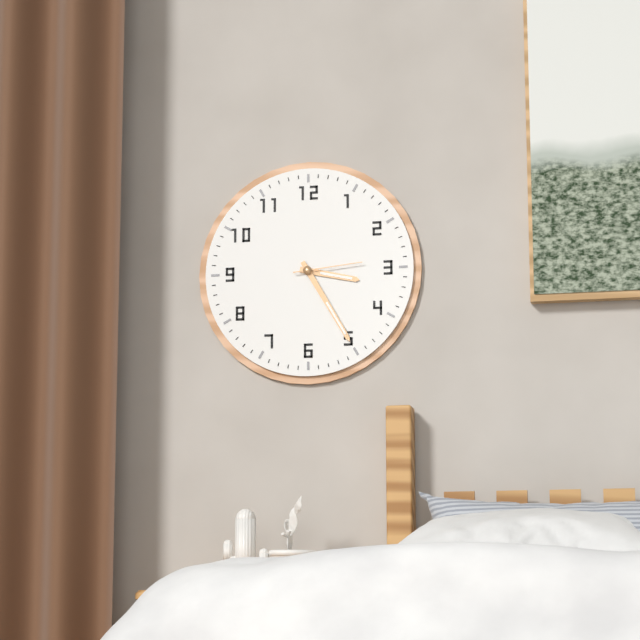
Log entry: 3:25:14
